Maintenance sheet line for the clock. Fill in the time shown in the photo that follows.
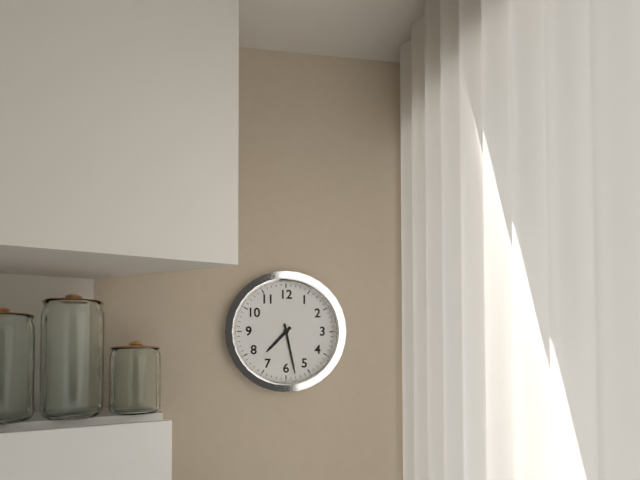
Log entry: 7:28
